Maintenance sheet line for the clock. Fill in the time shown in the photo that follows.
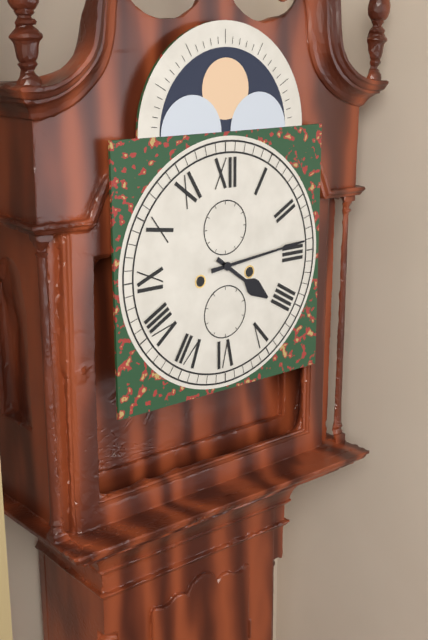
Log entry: 4:14
